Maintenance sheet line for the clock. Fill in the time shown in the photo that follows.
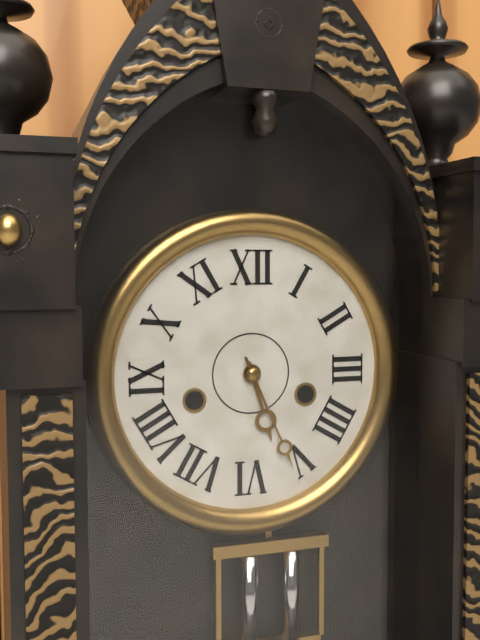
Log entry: 5:26
